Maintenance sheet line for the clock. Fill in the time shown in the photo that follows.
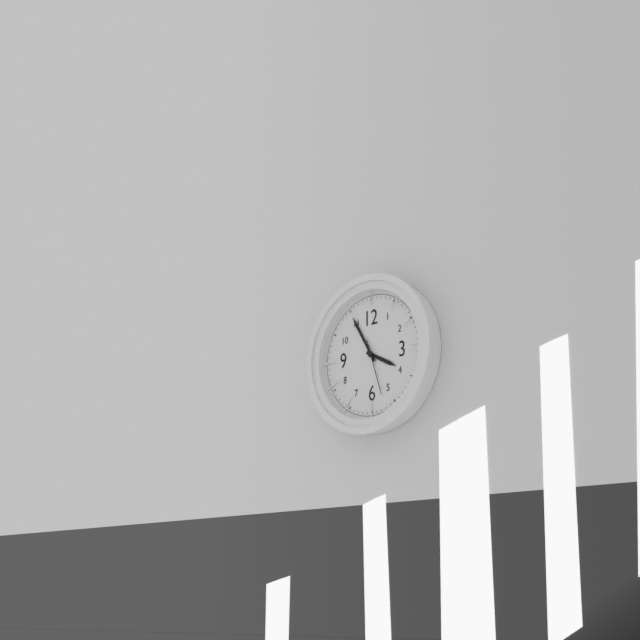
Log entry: 3:55:27
